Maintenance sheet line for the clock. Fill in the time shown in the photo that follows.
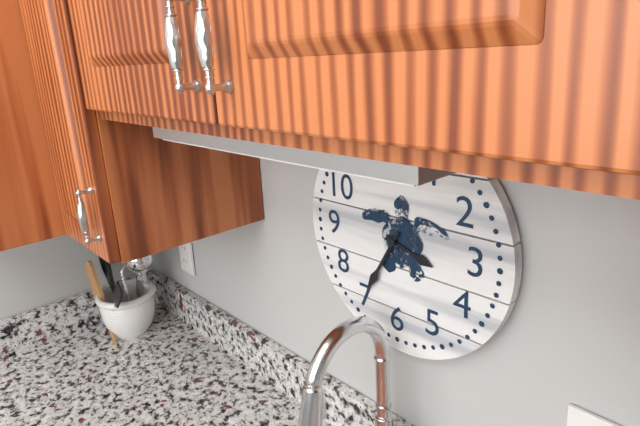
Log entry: 3:35
